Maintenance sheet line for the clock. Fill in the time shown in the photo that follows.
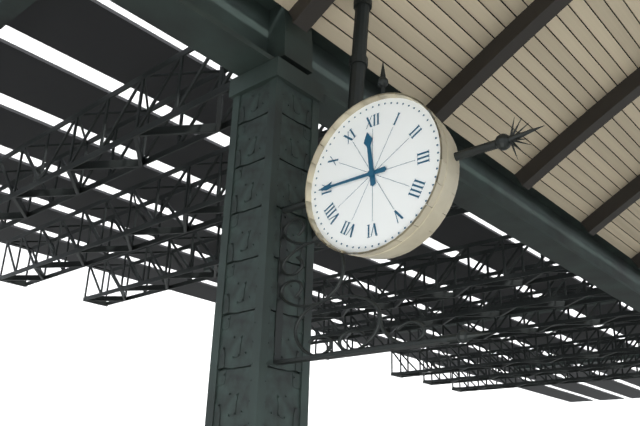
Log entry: 11:45
